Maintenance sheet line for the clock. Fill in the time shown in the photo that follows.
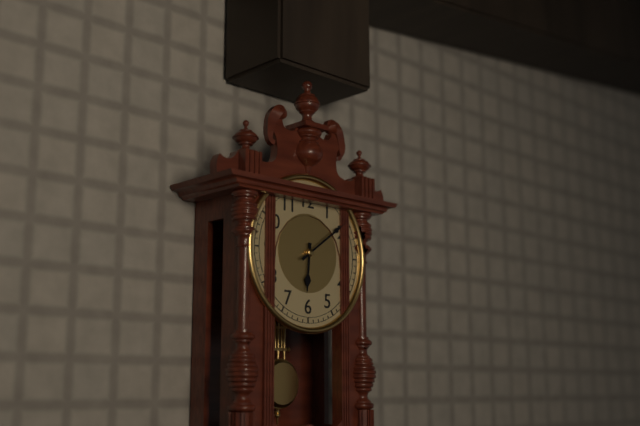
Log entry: 6:09
